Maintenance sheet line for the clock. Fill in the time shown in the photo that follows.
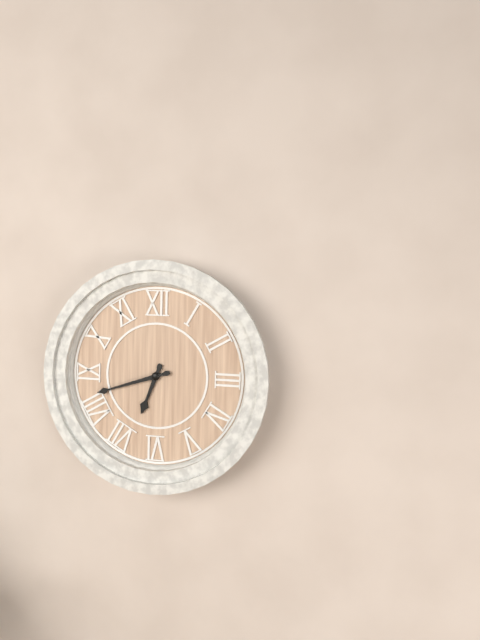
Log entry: 6:42
